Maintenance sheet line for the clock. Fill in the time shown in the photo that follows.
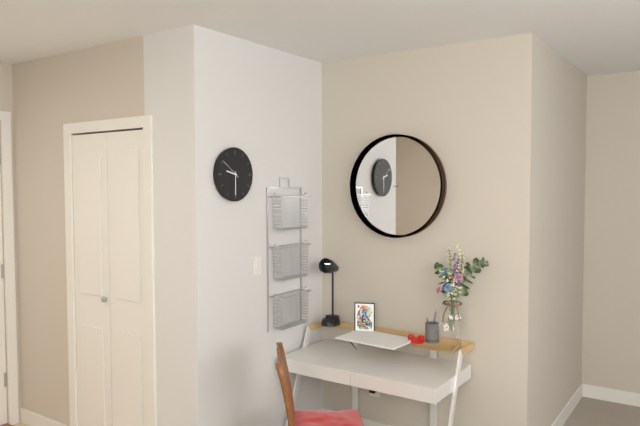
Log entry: 9:30
